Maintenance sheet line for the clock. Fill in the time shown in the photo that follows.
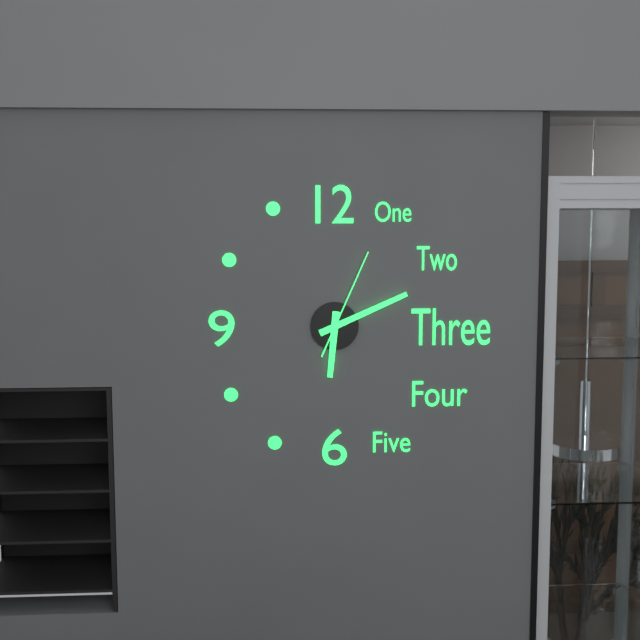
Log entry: 6:11:04
